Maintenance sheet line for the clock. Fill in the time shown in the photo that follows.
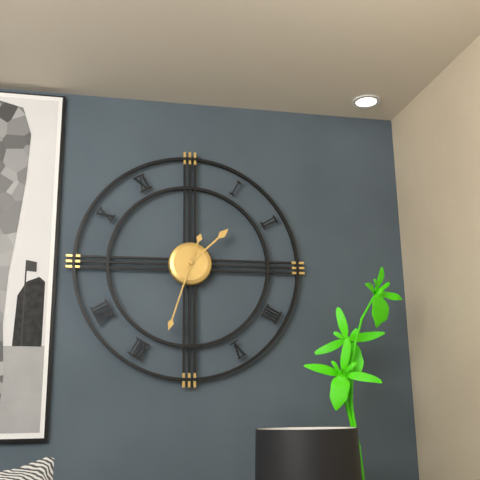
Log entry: 1:33
